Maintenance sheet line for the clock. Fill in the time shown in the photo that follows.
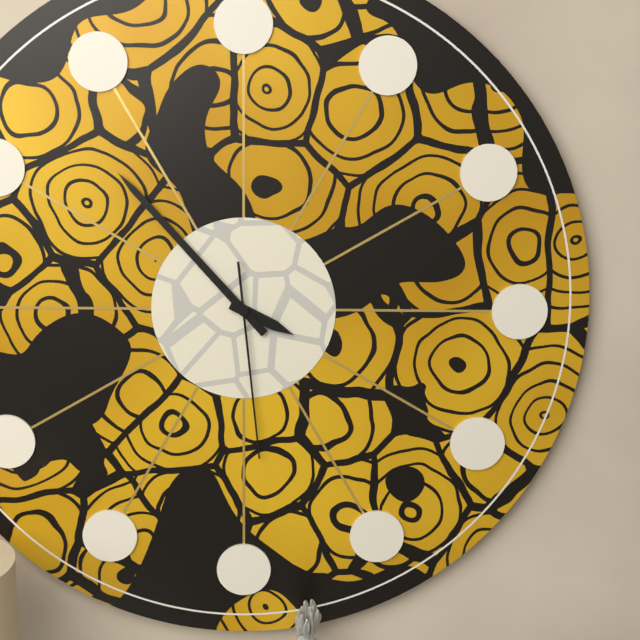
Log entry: 3:53:29
